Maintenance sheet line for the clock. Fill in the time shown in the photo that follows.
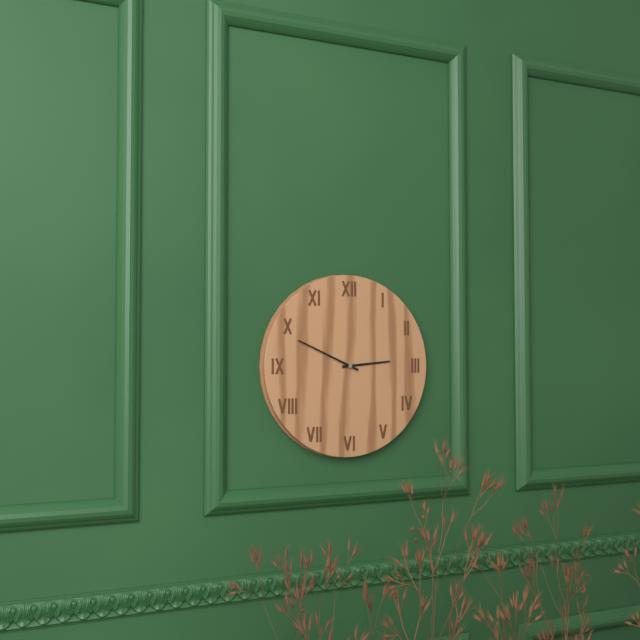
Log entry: 2:49
